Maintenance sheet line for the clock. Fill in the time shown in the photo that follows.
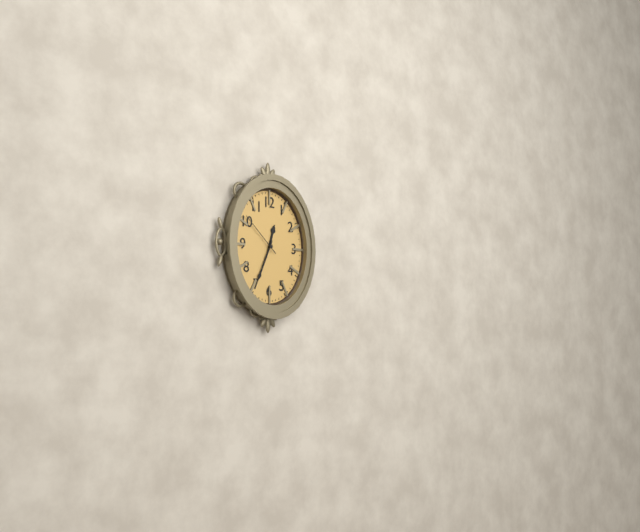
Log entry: 12:34
